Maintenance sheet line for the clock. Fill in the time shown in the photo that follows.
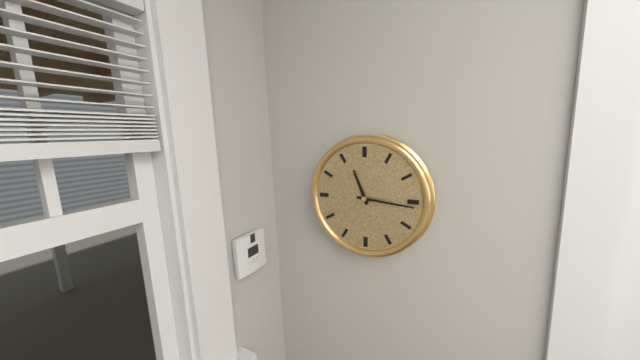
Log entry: 11:16
